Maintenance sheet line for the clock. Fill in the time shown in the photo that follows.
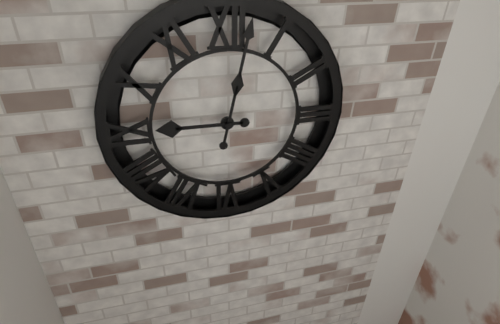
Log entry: 9:02
